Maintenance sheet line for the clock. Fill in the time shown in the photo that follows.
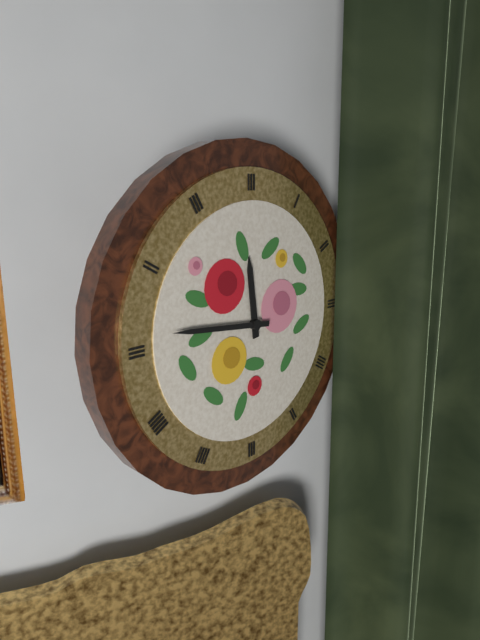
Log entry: 11:46
